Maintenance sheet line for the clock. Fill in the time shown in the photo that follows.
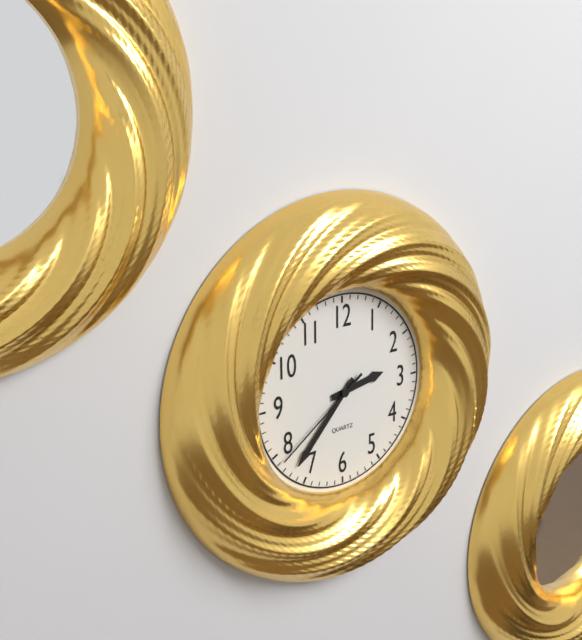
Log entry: 2:37:39
